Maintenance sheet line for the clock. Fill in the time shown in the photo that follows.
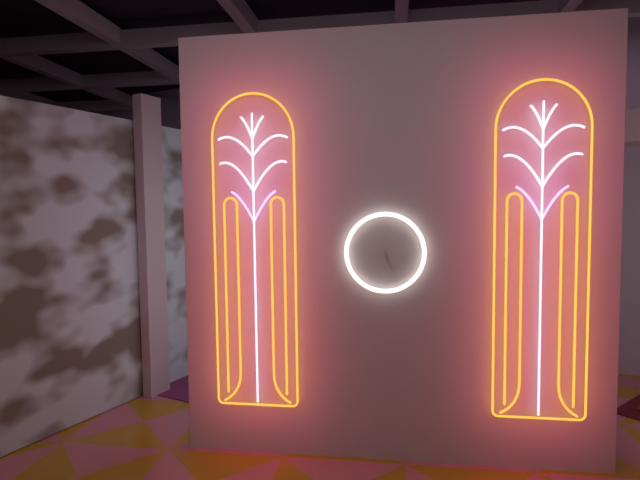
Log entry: 5:26
